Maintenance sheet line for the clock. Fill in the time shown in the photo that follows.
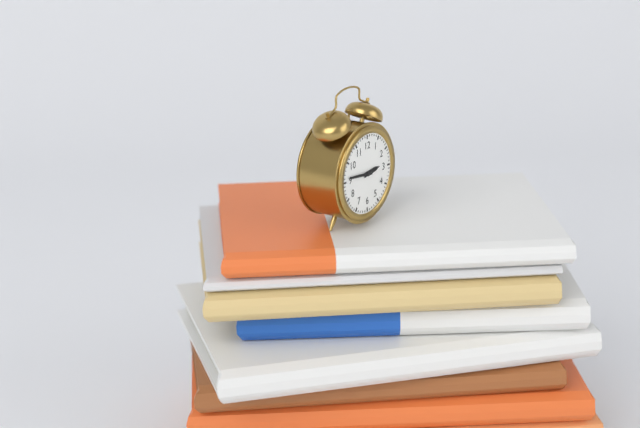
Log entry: 2:46
